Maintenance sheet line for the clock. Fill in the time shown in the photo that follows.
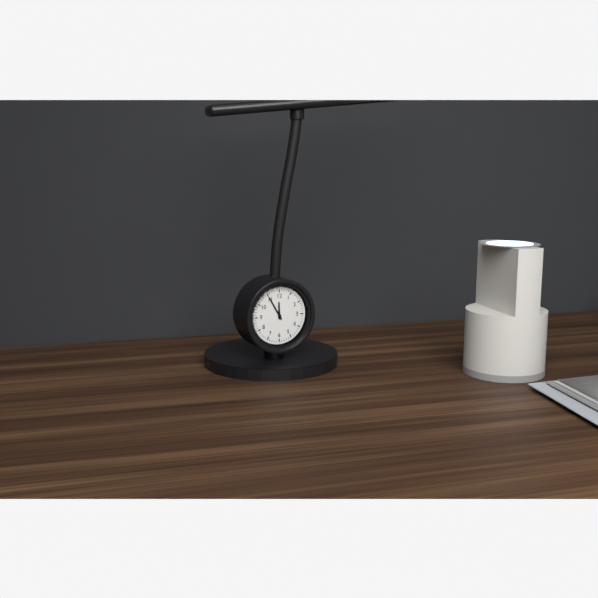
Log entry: 11:55
